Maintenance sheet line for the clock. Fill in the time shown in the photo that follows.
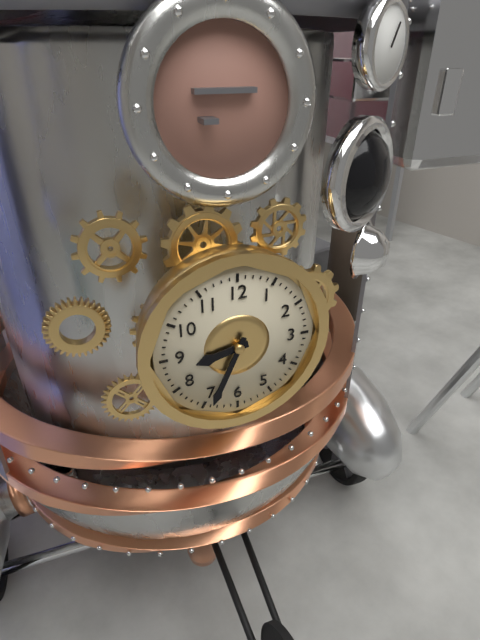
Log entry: 8:34
